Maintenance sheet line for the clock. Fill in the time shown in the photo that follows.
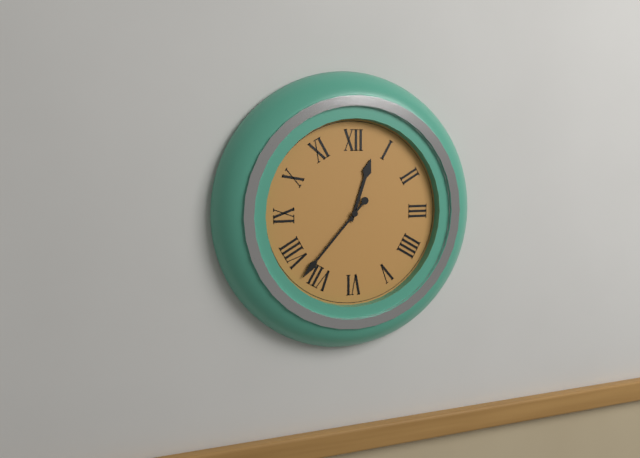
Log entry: 12:37
